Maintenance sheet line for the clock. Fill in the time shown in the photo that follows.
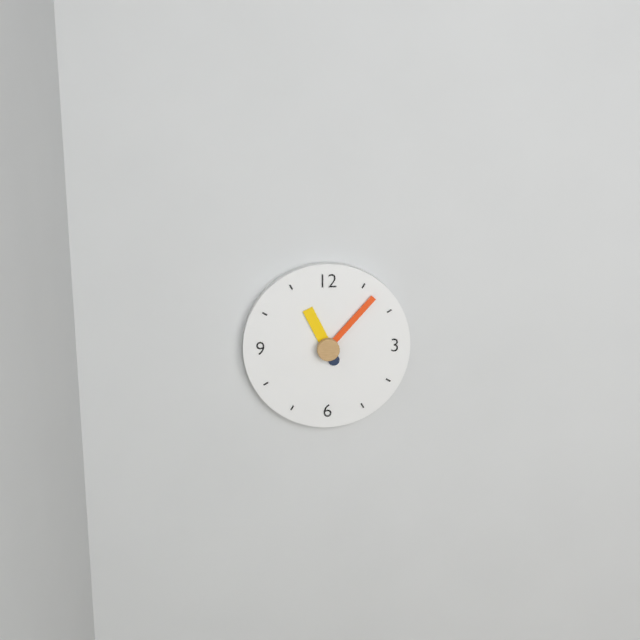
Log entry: 11:07
